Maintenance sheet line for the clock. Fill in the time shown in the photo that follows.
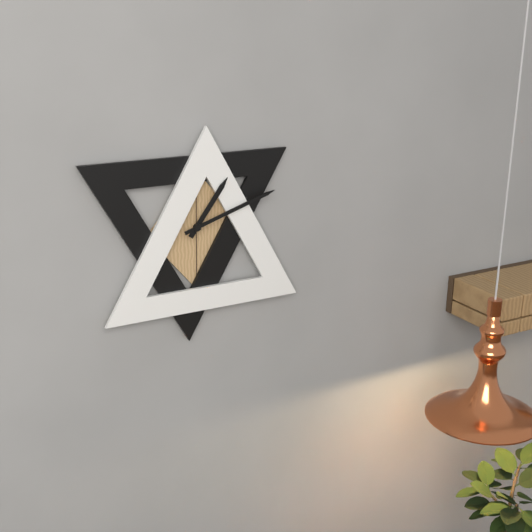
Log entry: 1:12
